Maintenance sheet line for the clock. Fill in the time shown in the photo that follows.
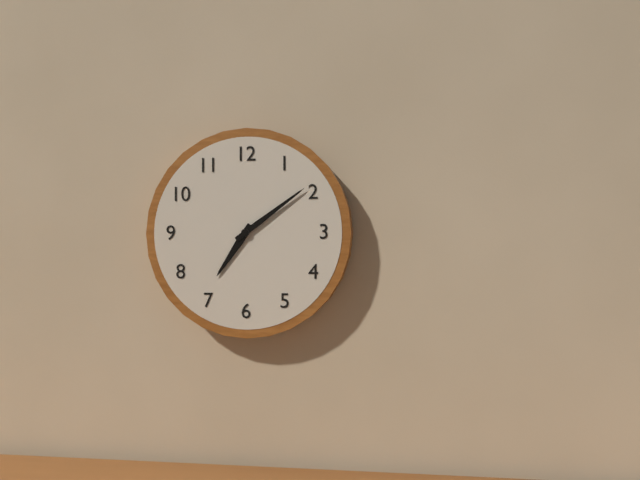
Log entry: 7:09
